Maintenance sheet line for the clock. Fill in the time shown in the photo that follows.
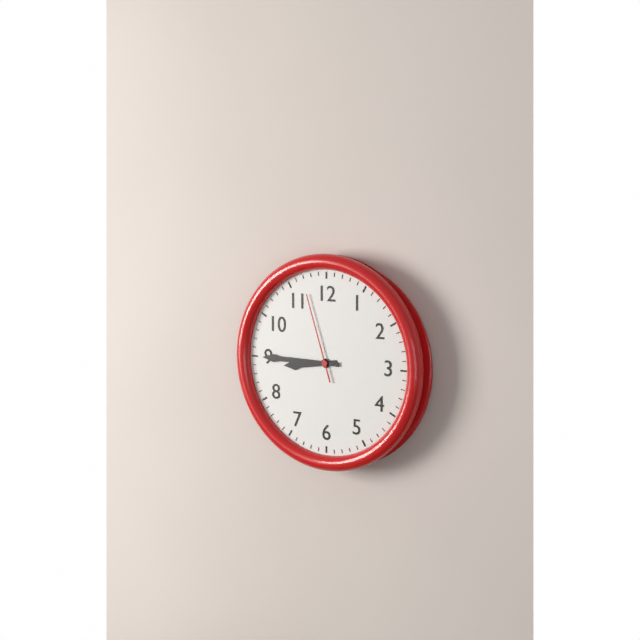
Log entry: 8:45:57
